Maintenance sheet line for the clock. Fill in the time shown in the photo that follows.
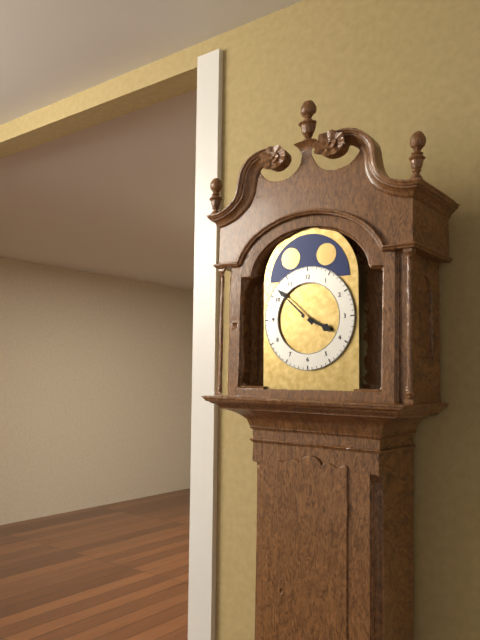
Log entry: 3:52
